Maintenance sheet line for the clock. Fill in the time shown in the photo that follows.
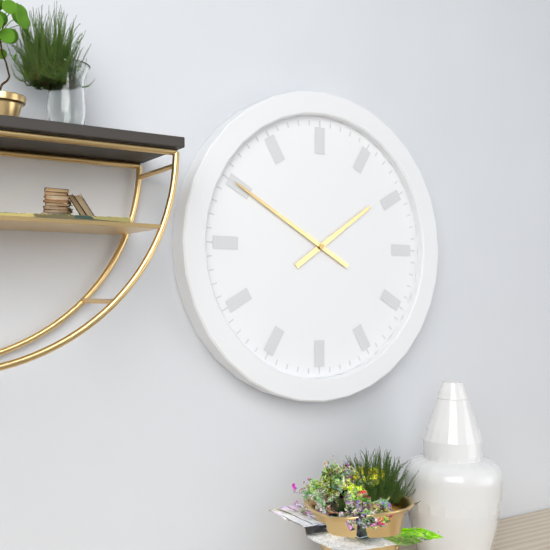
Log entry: 1:50
